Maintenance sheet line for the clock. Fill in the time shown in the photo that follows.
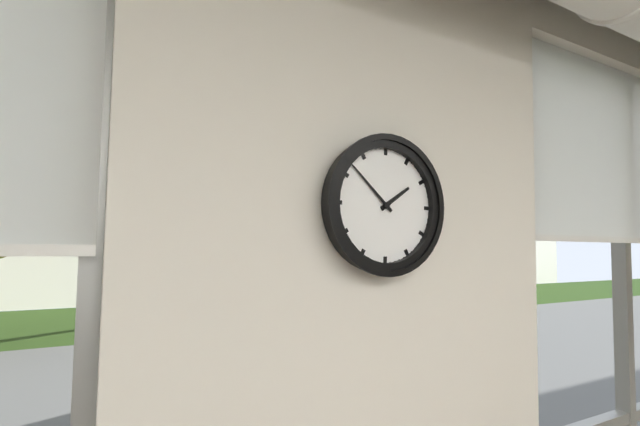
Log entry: 1:52
